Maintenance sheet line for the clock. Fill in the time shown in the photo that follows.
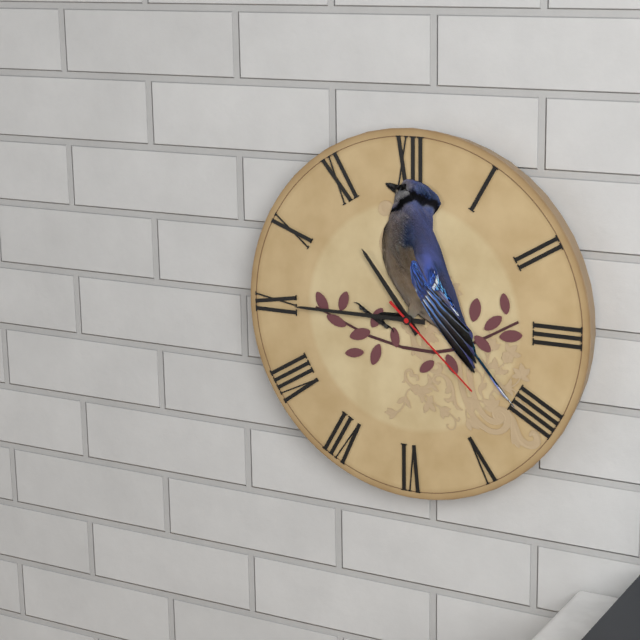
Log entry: 10:45:22
